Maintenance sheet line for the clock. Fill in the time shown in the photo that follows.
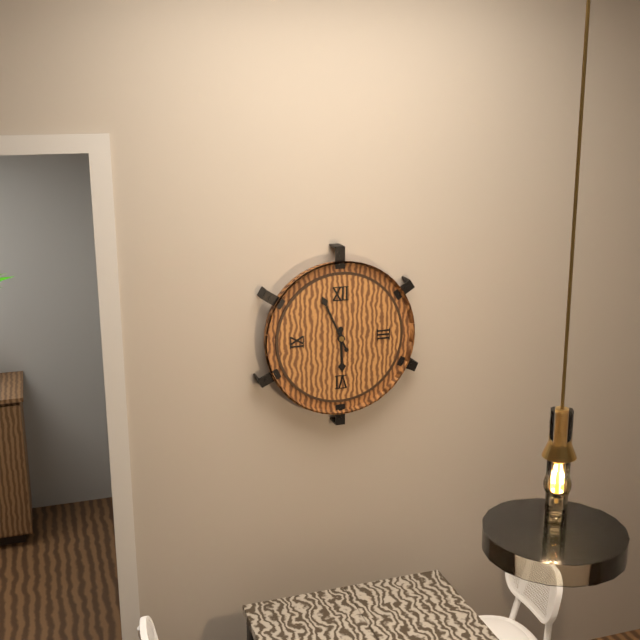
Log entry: 5:56
